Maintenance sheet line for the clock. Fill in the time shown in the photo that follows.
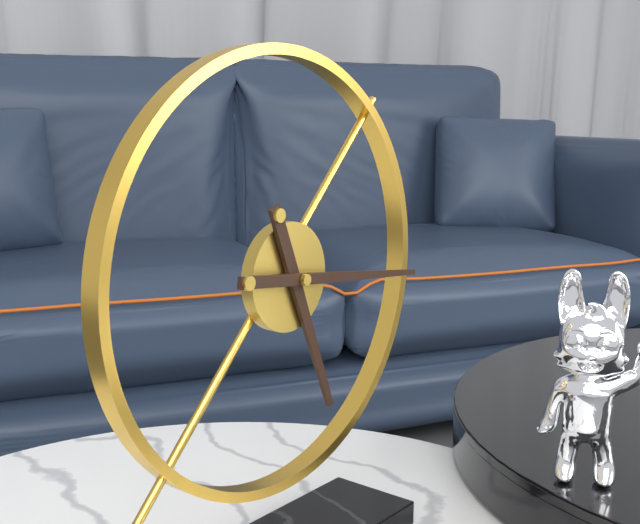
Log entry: 5:16
